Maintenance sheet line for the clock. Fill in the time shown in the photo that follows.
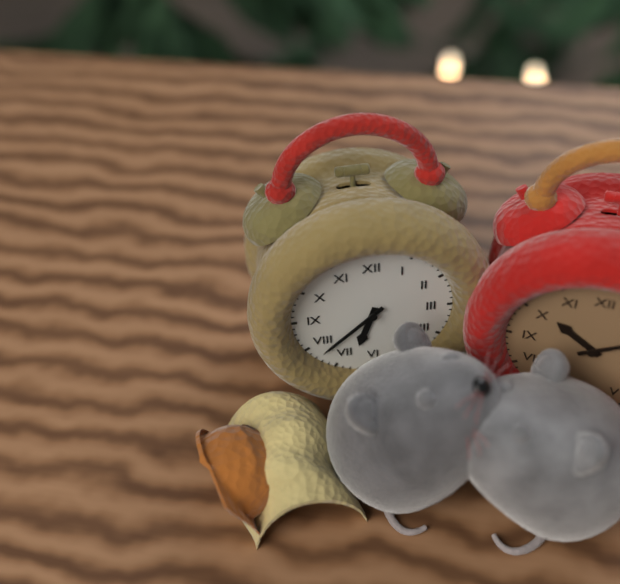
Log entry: 6:38
